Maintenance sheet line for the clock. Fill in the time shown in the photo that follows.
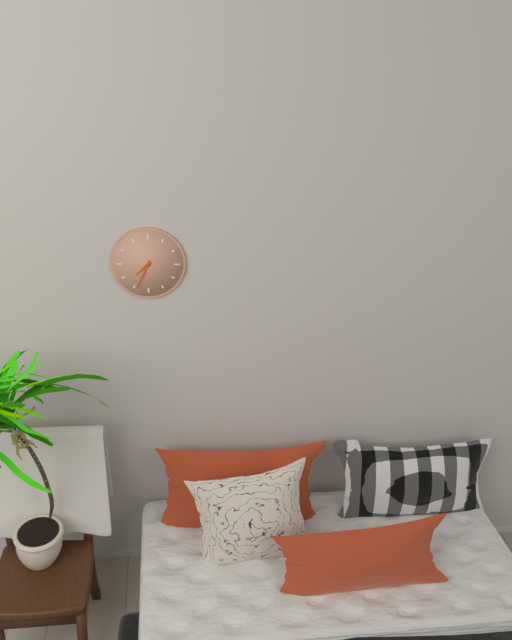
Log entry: 7:34
